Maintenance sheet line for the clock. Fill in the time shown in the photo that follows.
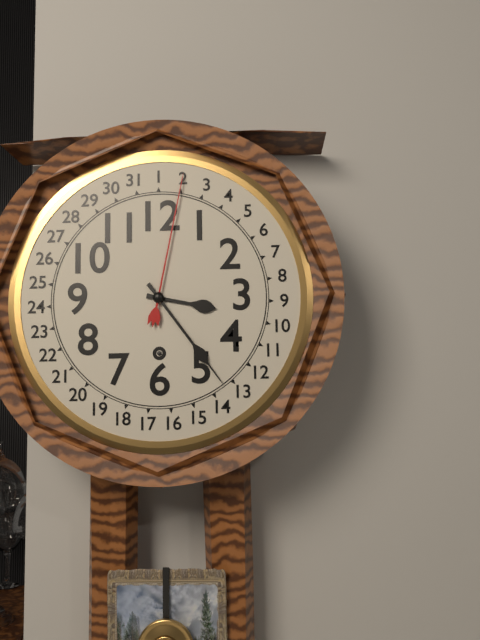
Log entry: 3:24
